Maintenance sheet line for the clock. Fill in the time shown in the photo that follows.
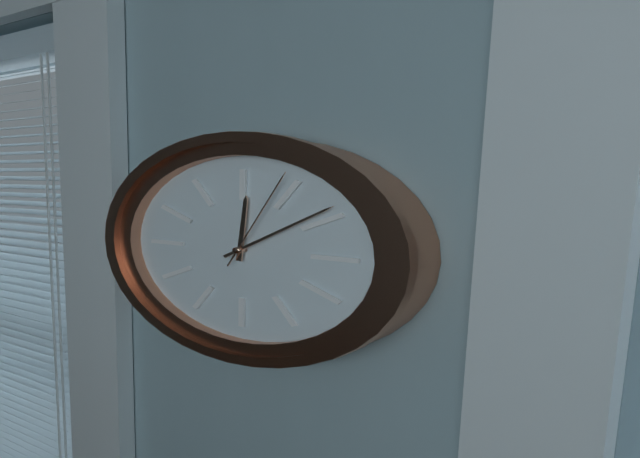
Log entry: 12:09:04
